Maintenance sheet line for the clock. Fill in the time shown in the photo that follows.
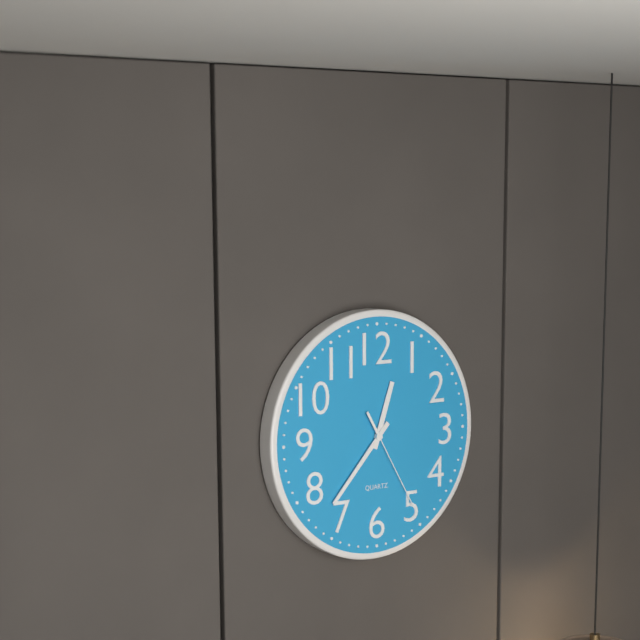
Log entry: 12:37:25
